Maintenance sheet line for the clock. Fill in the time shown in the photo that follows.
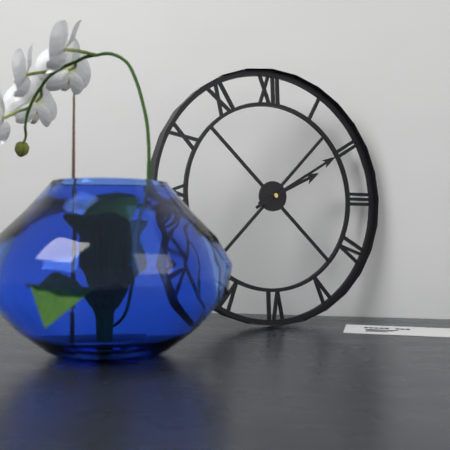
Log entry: 2:10
